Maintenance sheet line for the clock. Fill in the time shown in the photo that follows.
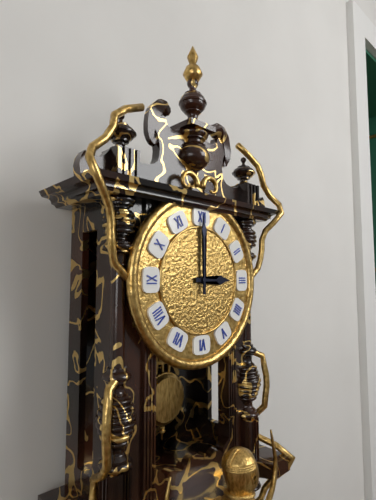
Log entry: 3:00
